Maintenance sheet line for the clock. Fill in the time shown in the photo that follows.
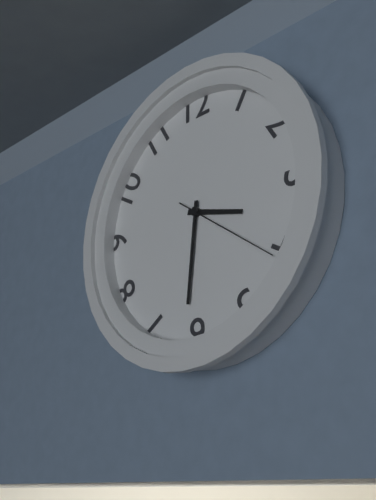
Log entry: 3:31:21
